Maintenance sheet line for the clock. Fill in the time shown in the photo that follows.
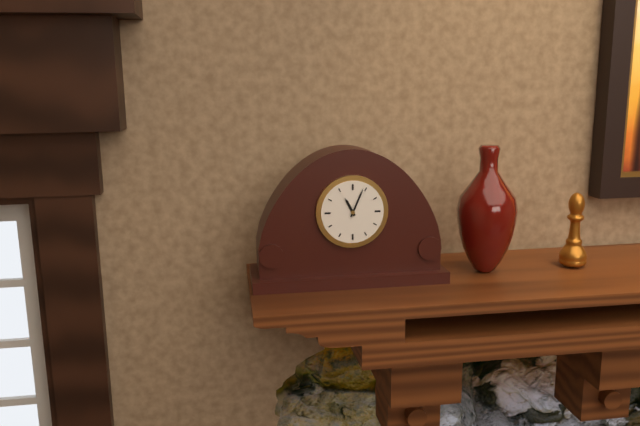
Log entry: 11:04
